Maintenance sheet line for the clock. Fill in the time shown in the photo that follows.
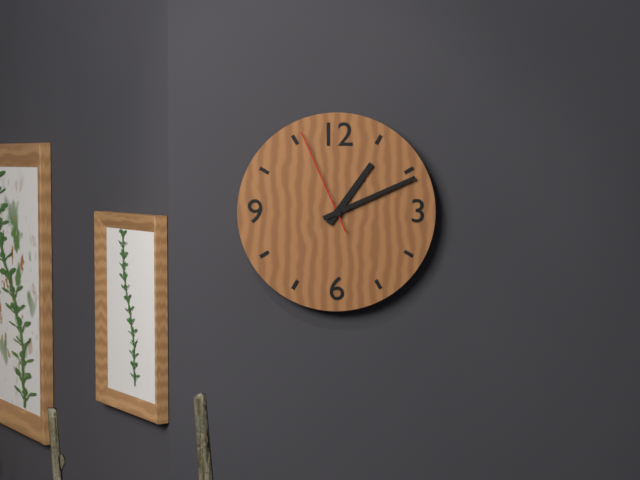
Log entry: 1:11:56
